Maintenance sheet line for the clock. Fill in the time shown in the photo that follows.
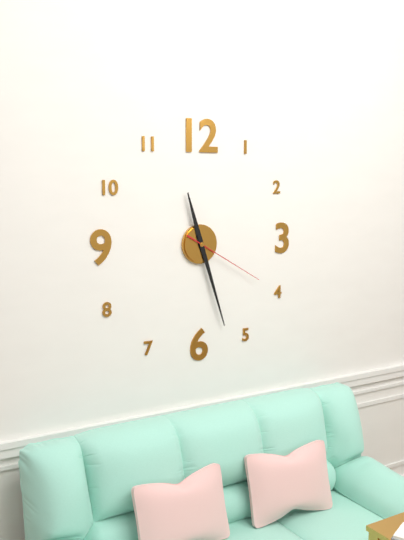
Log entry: 11:27:20
